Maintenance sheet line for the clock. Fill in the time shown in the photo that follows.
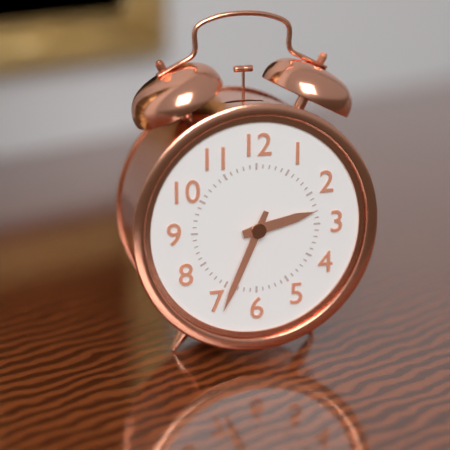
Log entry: 2:34
